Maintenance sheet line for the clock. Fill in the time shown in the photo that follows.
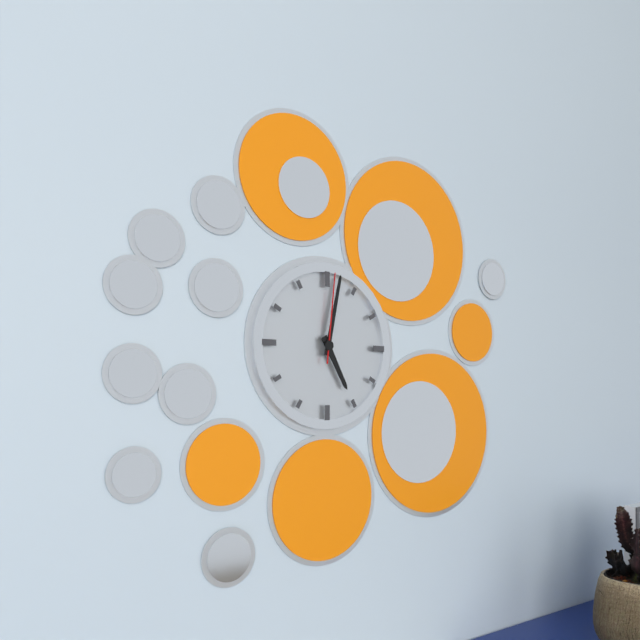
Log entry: 5:02:01
